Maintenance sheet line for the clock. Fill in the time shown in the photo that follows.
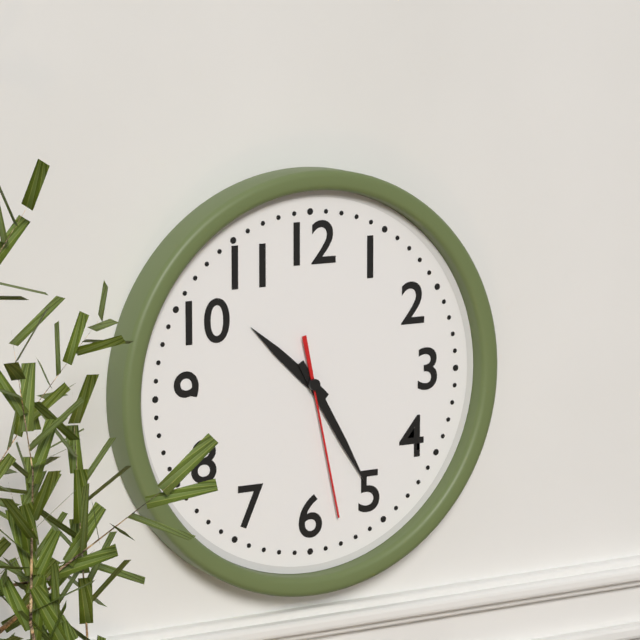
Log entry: 10:25:28
